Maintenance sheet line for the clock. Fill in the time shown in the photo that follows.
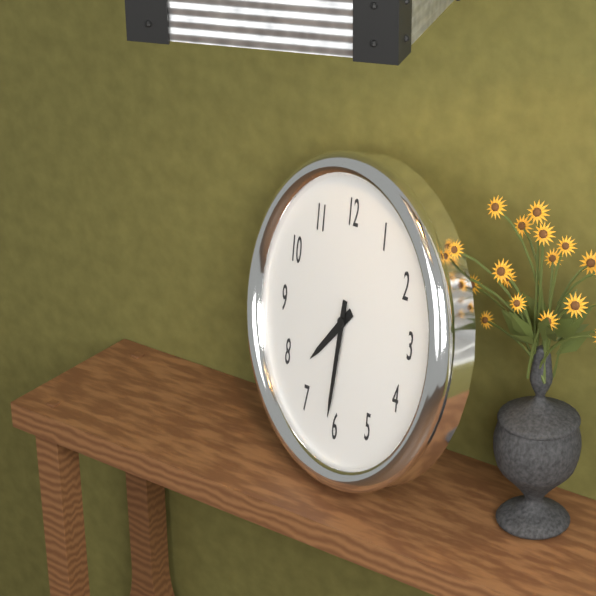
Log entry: 7:31
